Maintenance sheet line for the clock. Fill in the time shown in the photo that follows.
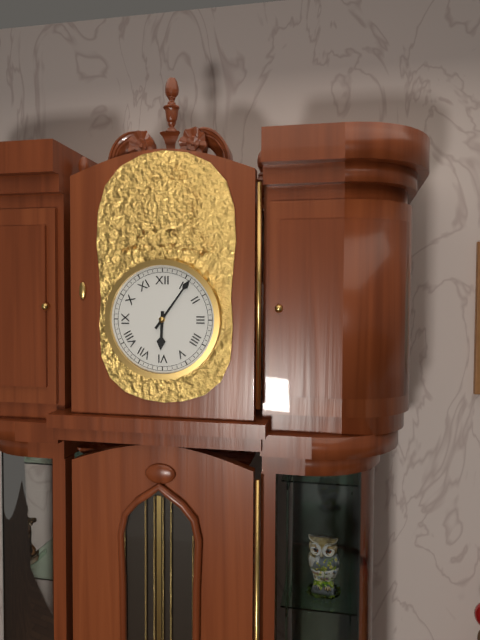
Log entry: 6:06
